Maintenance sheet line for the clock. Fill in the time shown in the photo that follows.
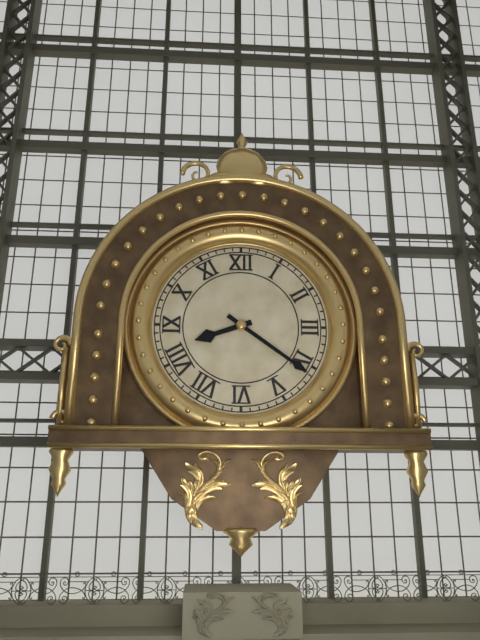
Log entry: 8:21
